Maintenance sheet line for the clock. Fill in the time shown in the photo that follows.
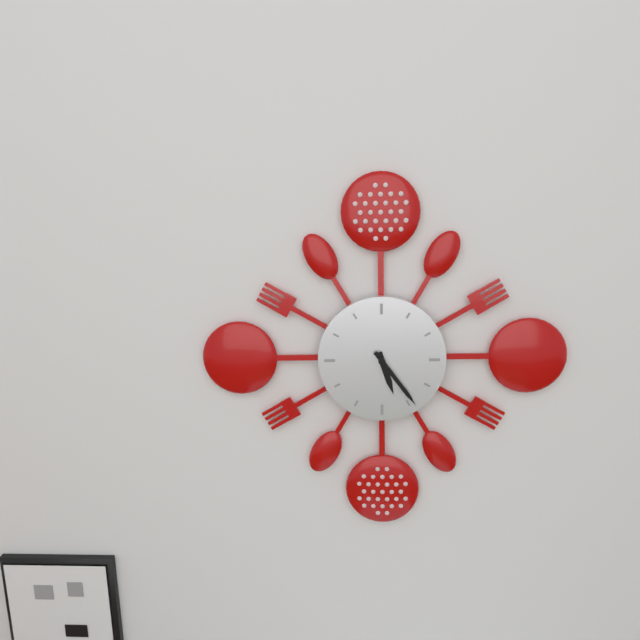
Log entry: 5:24
